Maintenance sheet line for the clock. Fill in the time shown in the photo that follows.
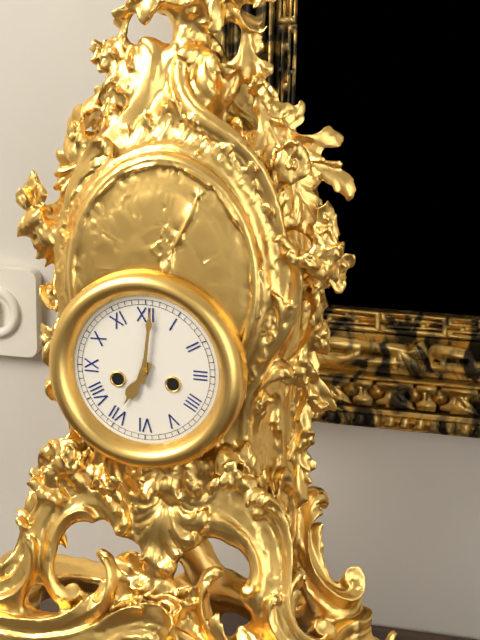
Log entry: 7:01
